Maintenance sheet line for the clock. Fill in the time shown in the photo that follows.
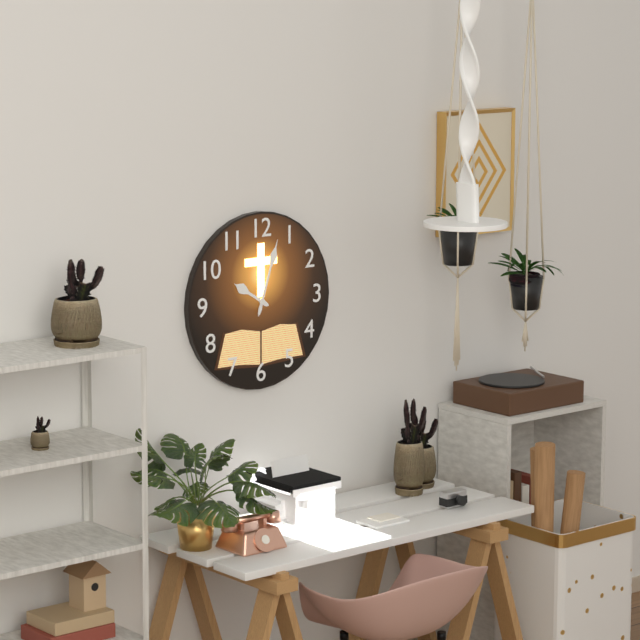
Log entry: 10:03
